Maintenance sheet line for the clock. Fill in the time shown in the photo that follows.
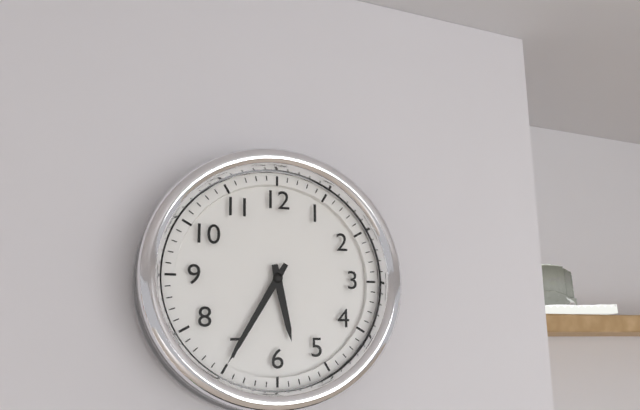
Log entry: 5:35
